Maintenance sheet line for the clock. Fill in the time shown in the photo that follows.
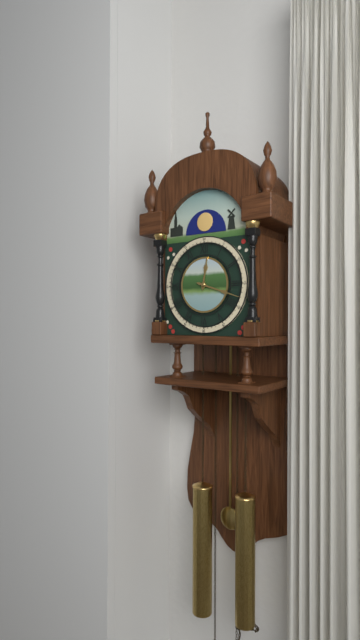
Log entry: 12:18
